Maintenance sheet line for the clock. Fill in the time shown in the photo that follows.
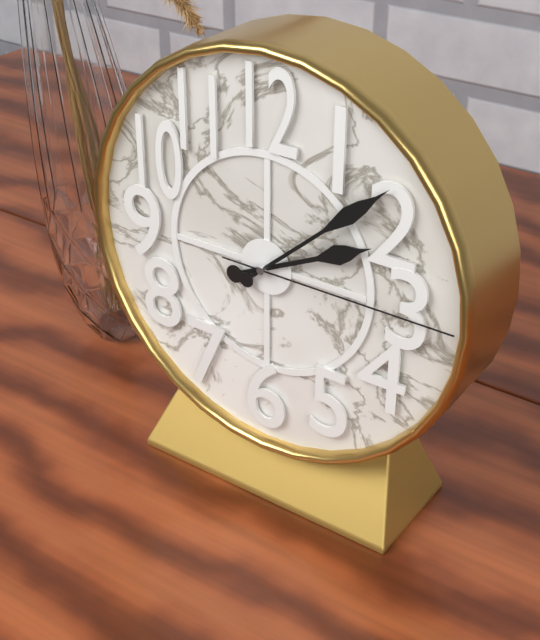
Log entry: 2:08:15
